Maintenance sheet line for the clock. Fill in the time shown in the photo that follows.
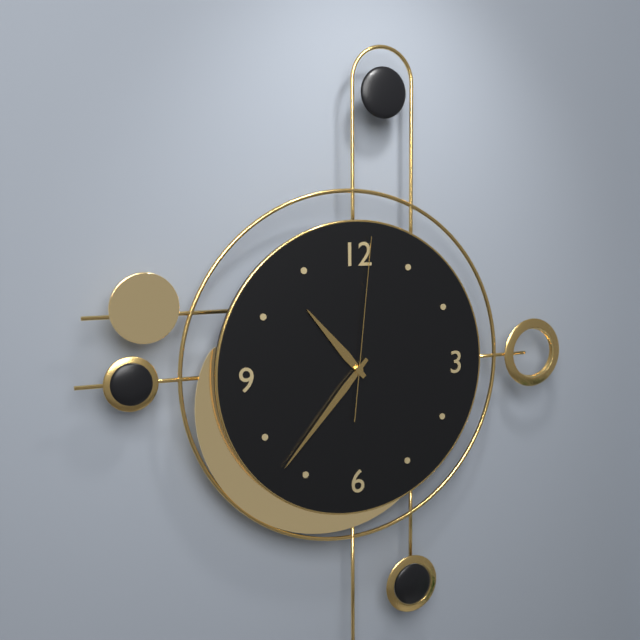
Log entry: 10:37:01
